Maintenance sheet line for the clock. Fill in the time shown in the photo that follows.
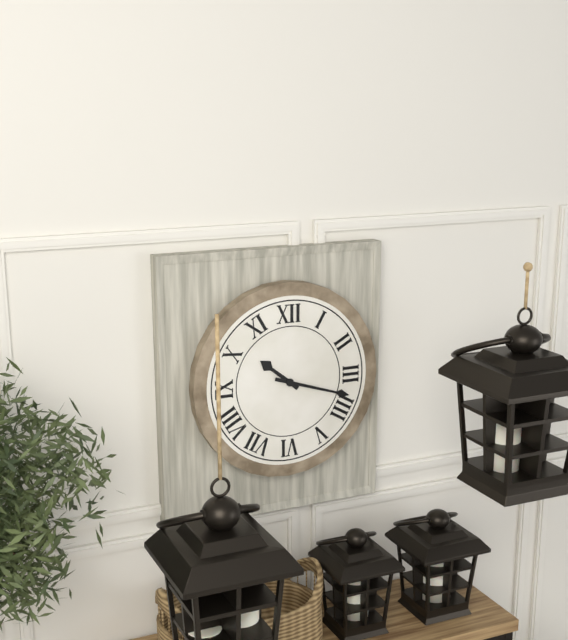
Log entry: 10:18
